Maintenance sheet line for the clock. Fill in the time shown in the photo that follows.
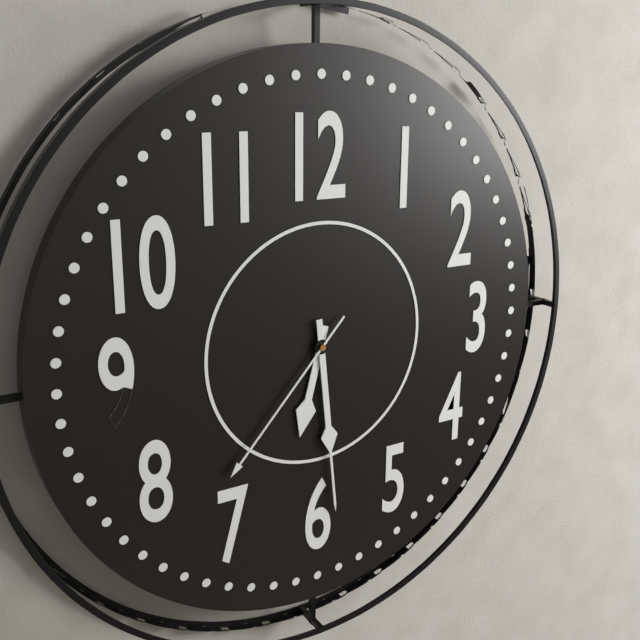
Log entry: 6:29:37
